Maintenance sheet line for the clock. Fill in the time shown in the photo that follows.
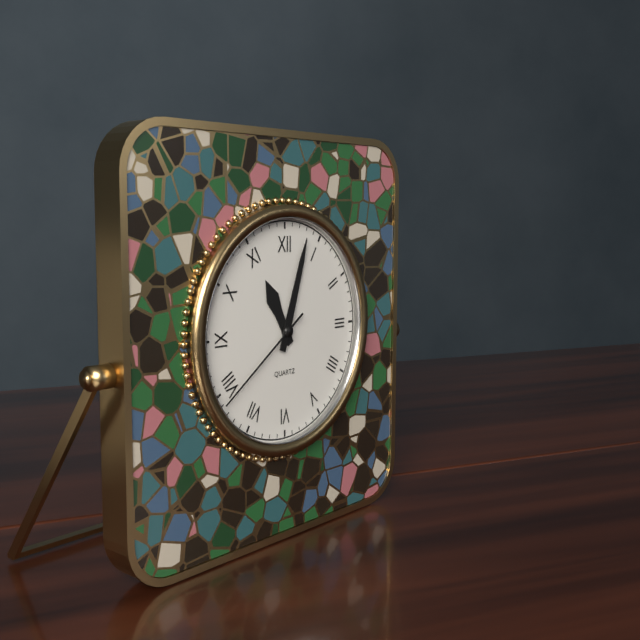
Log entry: 11:03:39
